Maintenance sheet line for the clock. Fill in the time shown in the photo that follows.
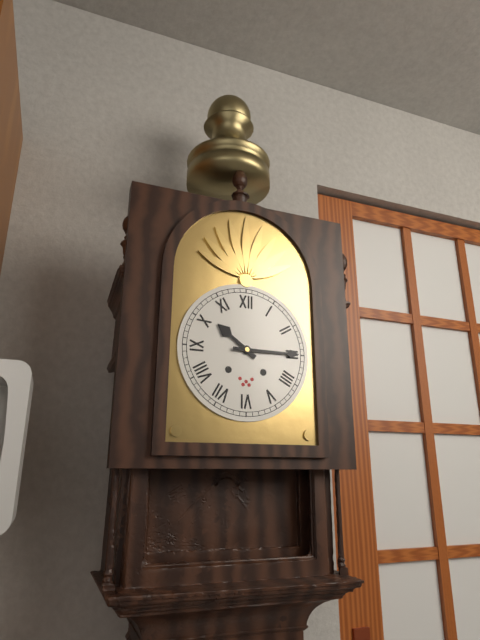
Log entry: 10:15
